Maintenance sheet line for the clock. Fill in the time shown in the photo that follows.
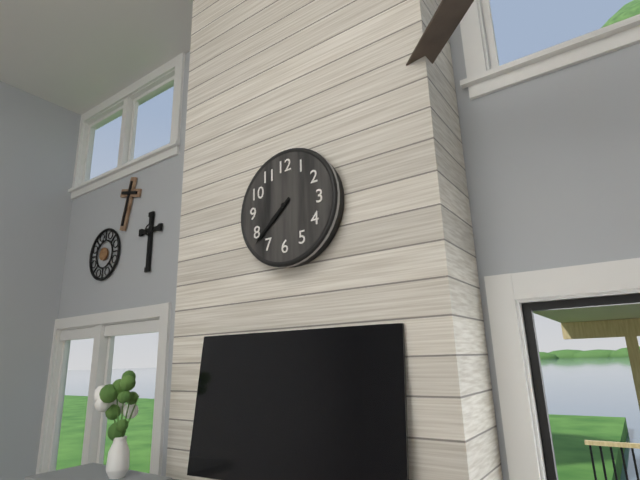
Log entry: 7:38
